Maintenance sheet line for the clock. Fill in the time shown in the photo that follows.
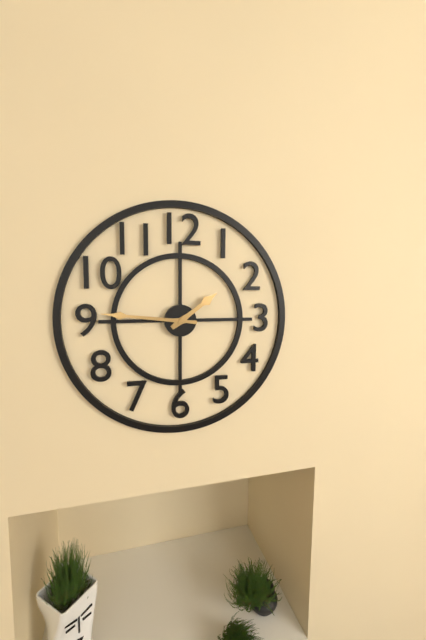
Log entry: 1:46
